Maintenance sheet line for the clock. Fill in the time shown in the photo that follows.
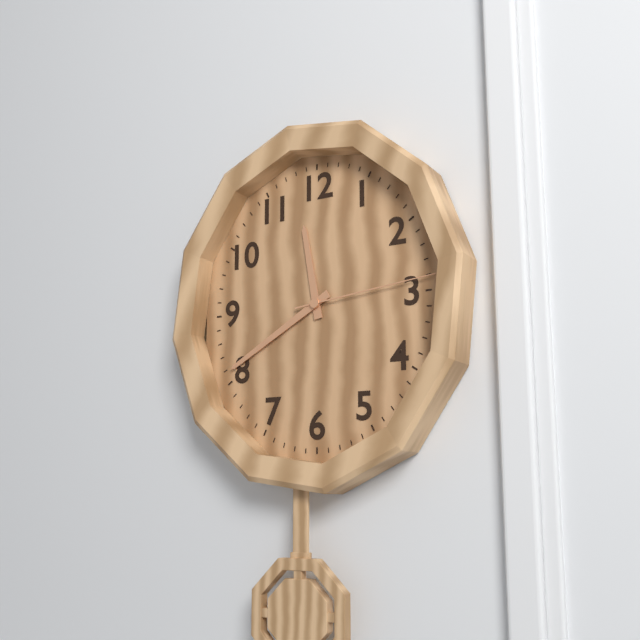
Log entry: 11:40:14
